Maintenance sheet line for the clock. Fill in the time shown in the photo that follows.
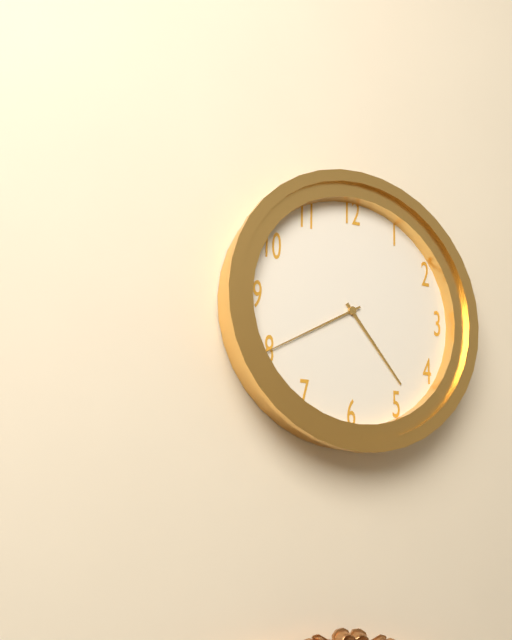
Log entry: 4:40
